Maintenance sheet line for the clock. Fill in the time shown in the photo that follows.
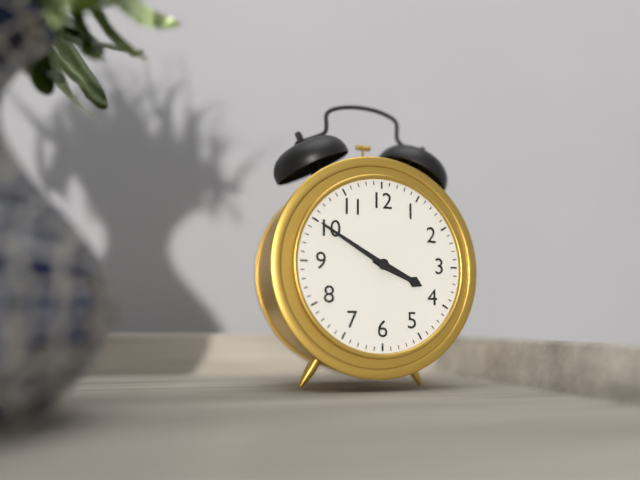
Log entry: 3:50
